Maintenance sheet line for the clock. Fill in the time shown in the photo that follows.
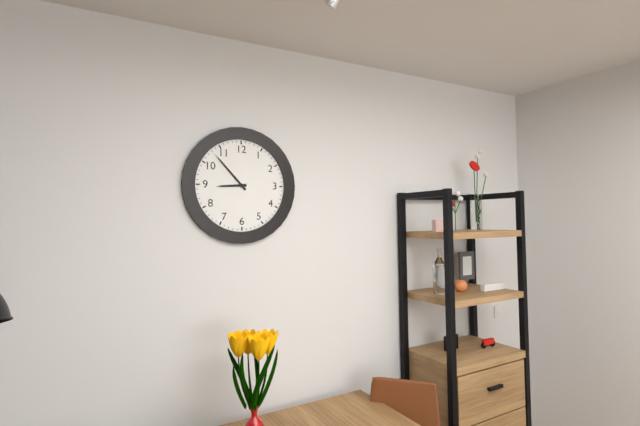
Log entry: 8:53
